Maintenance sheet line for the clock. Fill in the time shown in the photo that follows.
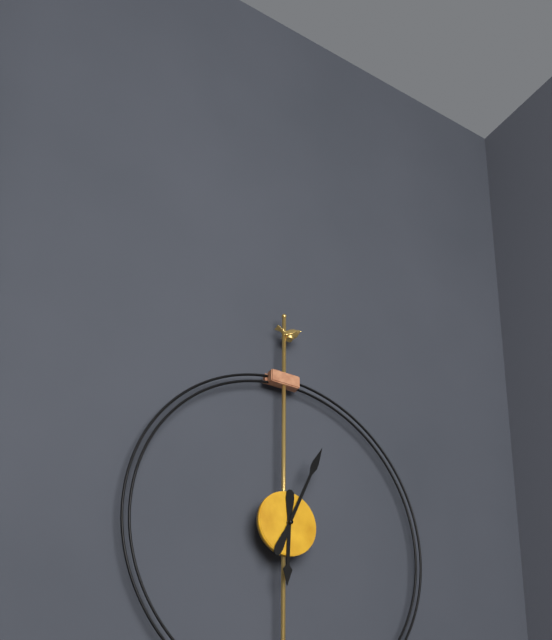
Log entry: 6:04
